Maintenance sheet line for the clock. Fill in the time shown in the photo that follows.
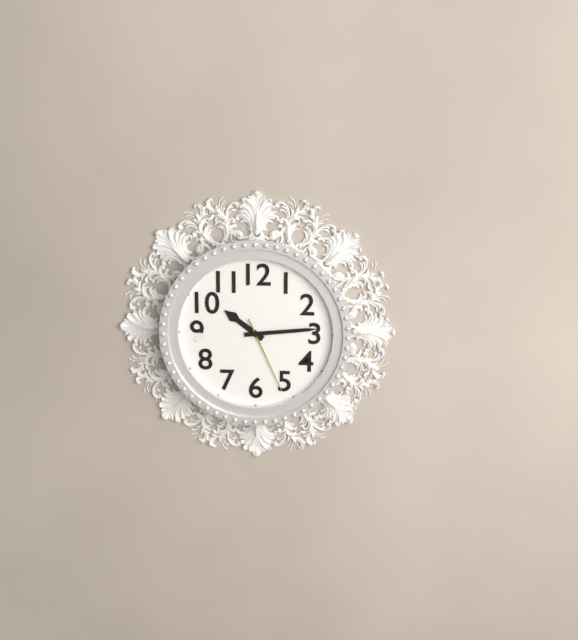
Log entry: 10:14:26
